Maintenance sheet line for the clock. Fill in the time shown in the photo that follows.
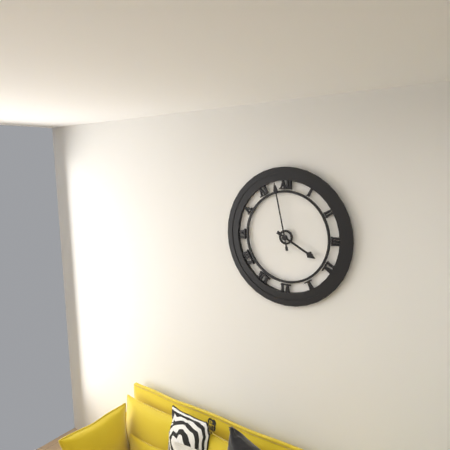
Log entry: 3:58
